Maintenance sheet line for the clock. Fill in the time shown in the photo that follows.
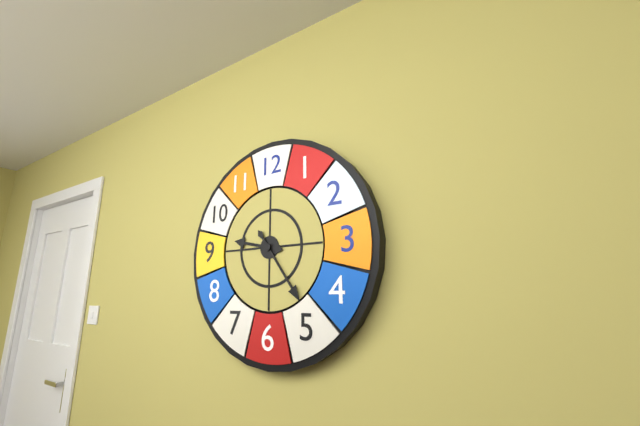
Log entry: 9:24
